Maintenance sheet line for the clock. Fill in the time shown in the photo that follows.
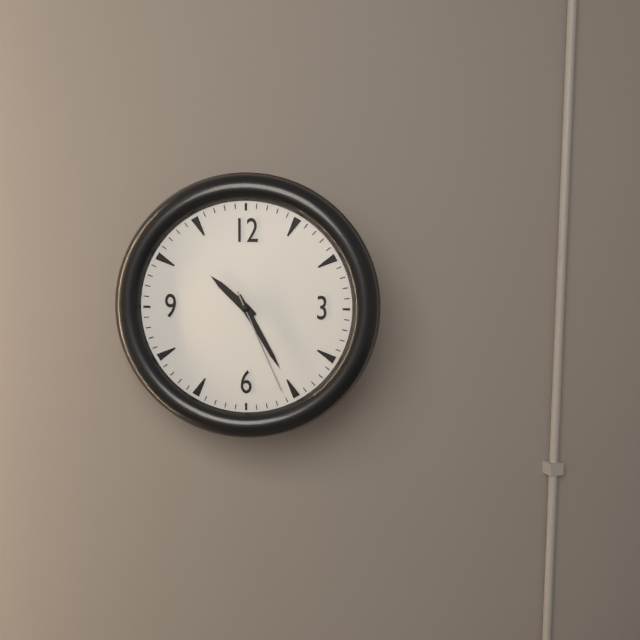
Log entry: 10:25:26
